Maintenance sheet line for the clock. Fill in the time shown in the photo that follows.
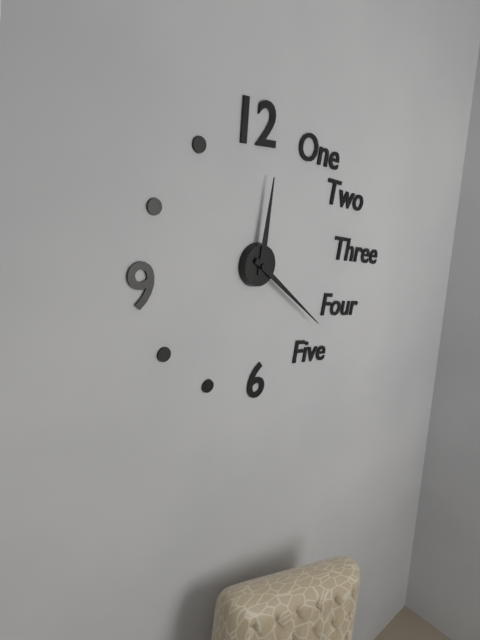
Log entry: 12:22
